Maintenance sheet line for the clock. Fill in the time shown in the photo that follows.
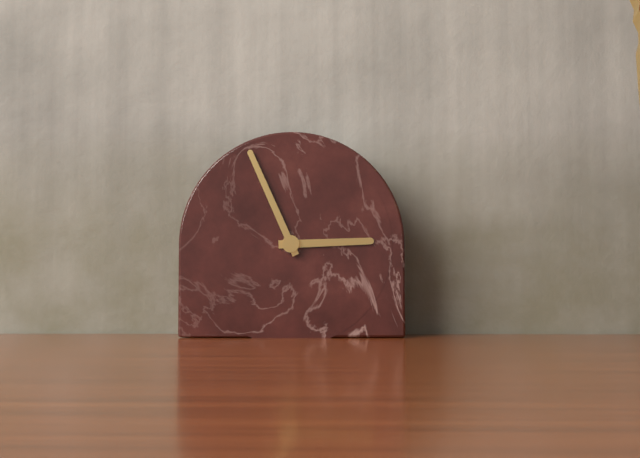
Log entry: 2:56
